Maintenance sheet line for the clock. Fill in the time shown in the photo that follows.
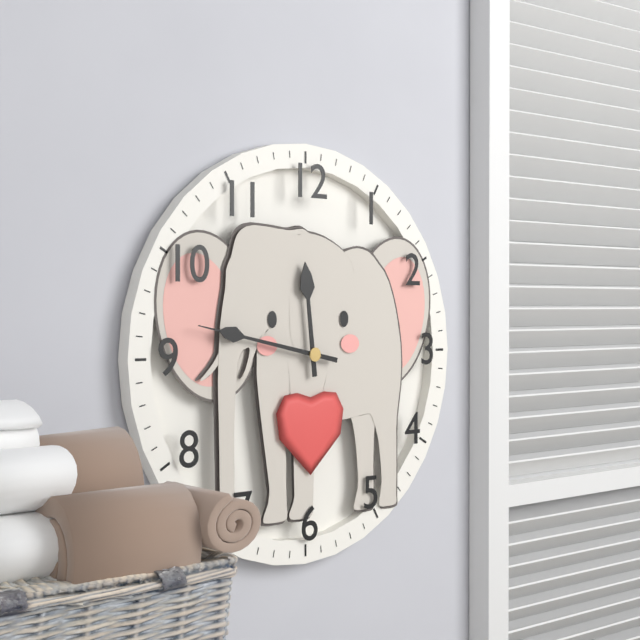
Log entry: 11:47
